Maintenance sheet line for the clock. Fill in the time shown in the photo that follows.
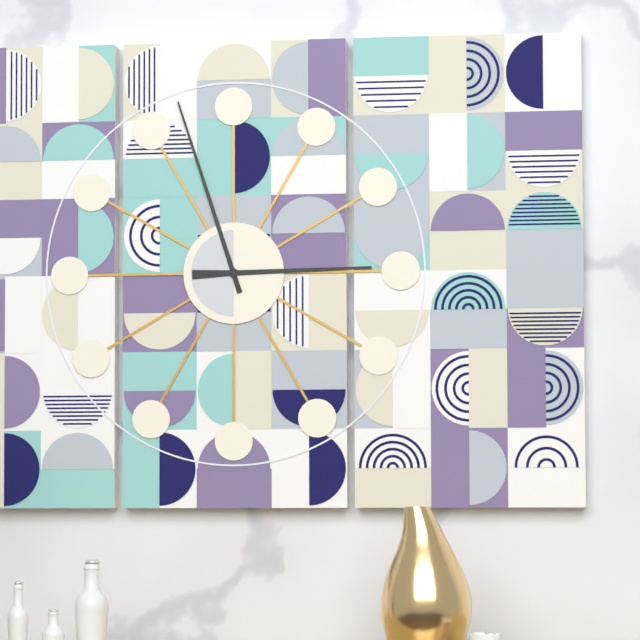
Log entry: 2:57
